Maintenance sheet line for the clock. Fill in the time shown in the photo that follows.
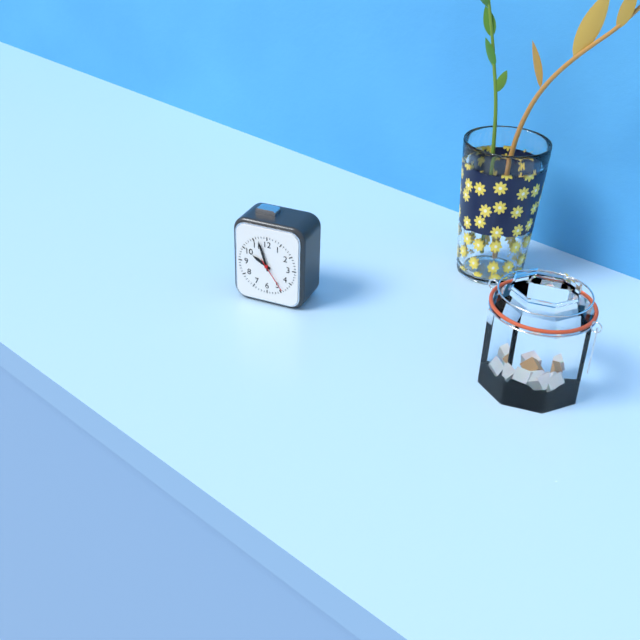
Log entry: 9:57
